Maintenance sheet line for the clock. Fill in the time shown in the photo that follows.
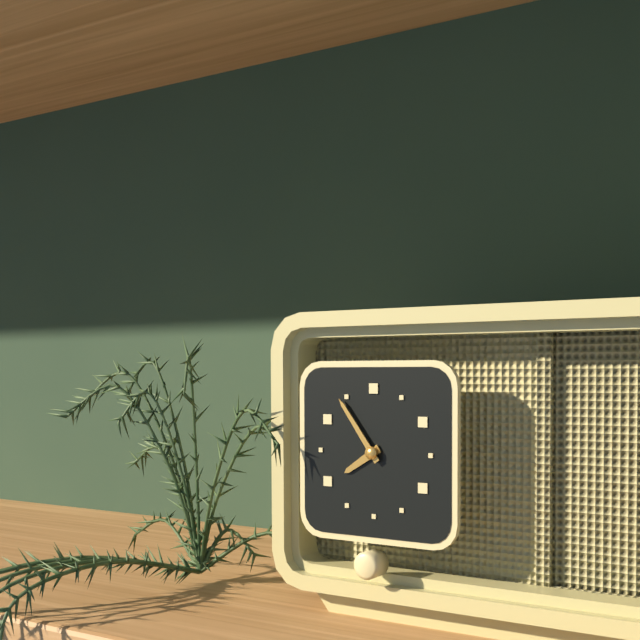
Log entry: 7:54
